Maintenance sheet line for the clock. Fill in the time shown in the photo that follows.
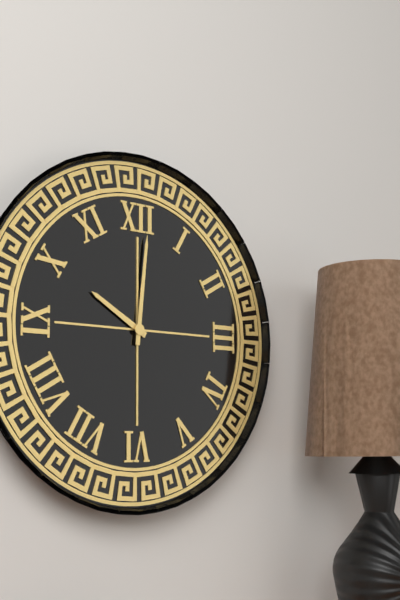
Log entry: 10:01
